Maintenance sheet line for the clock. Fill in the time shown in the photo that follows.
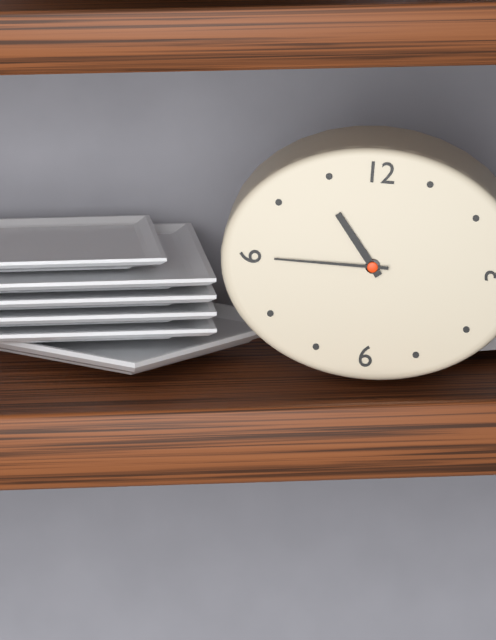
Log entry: 10:45
